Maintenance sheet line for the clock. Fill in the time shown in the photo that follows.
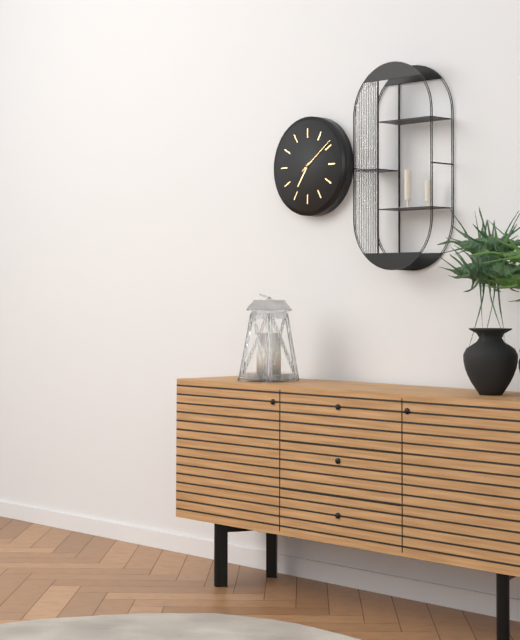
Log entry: 7:09
